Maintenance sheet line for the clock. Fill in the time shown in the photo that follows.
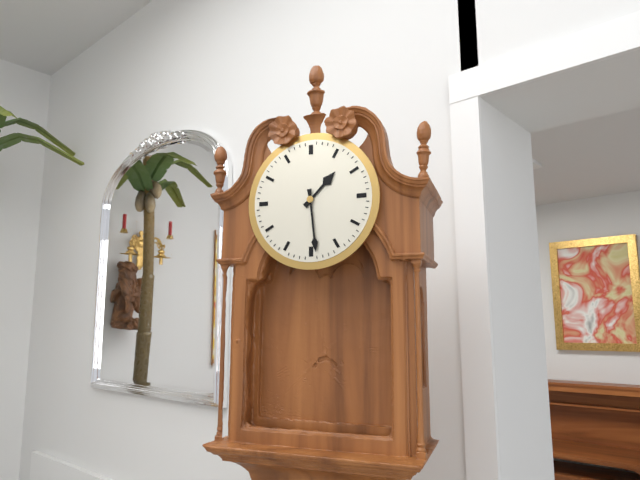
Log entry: 1:29
